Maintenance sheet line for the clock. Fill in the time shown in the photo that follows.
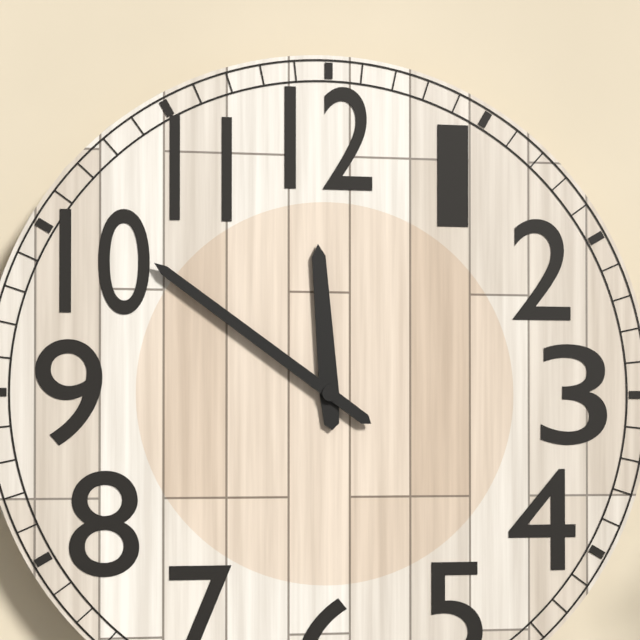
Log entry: 11:51
